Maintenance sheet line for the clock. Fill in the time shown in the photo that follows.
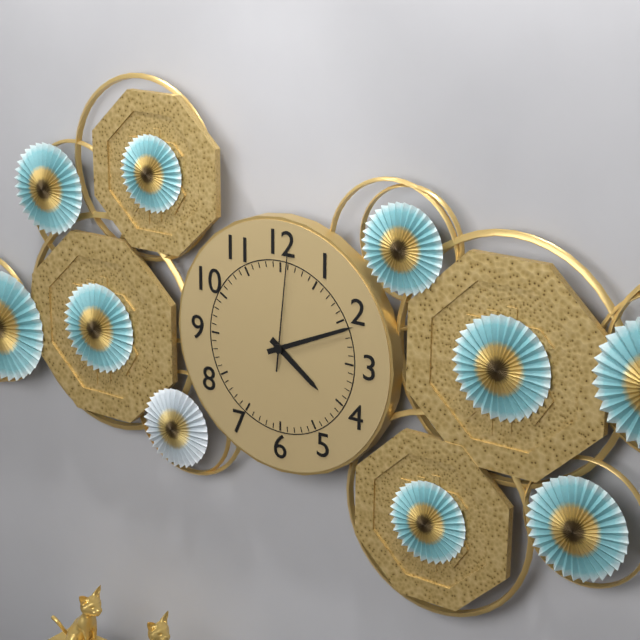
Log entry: 4:11:01
